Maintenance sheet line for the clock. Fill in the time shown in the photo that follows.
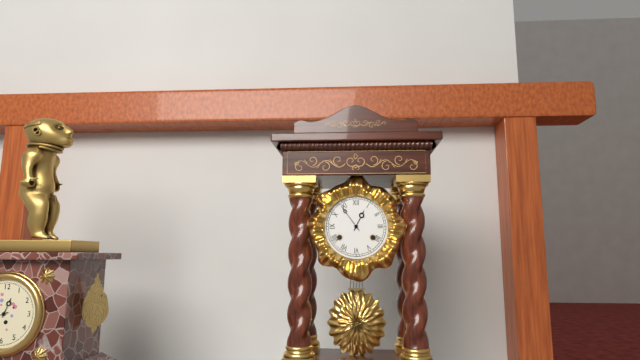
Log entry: 12:54
